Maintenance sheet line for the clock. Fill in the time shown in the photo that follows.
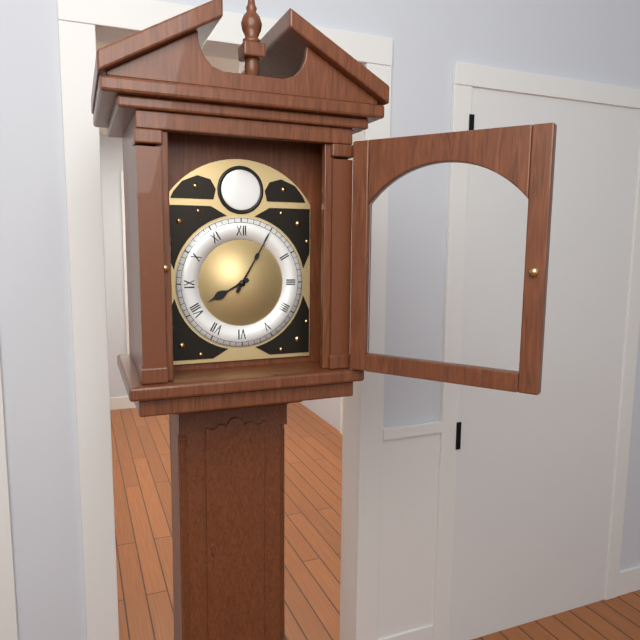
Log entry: 8:05
